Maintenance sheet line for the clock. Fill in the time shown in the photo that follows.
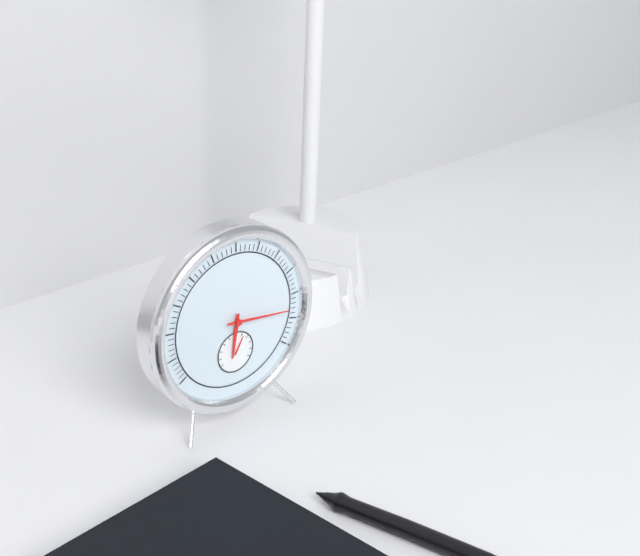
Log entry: 6:16
